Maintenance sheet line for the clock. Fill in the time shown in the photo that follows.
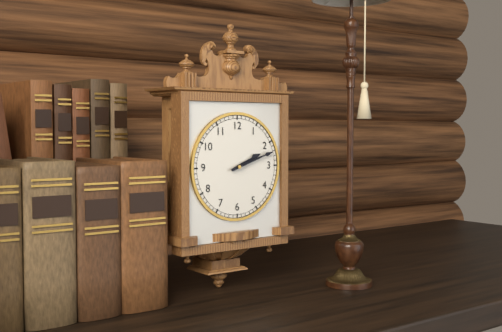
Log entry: 2:12
